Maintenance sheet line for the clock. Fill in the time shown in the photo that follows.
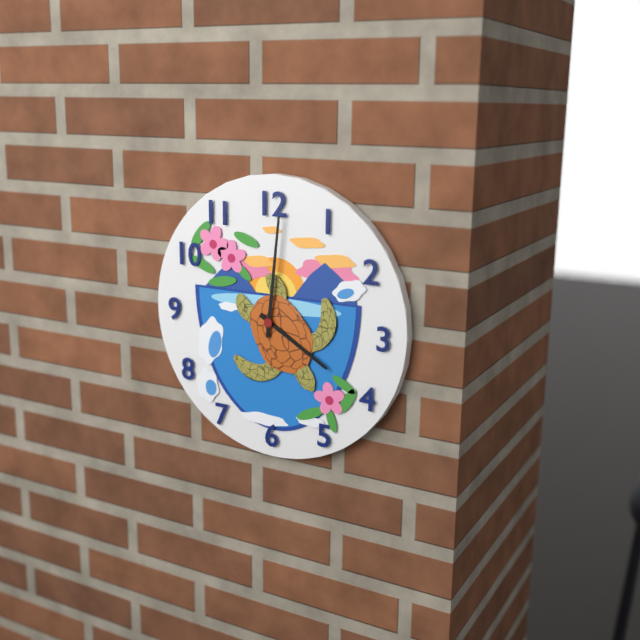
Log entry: 4:01
